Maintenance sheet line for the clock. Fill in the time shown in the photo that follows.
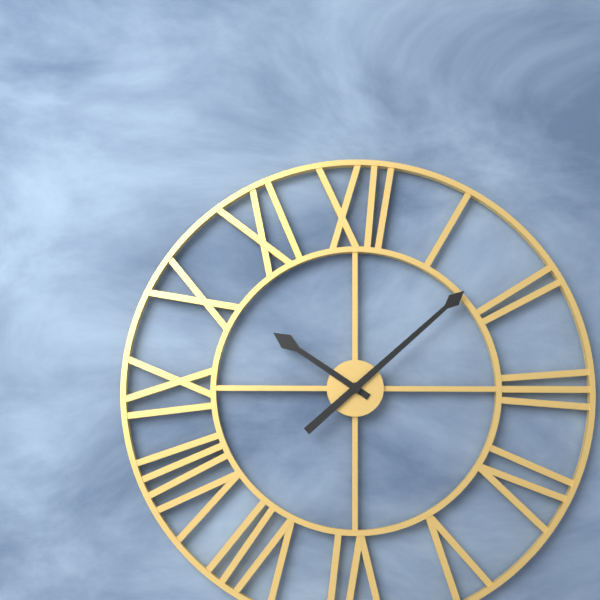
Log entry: 10:08
